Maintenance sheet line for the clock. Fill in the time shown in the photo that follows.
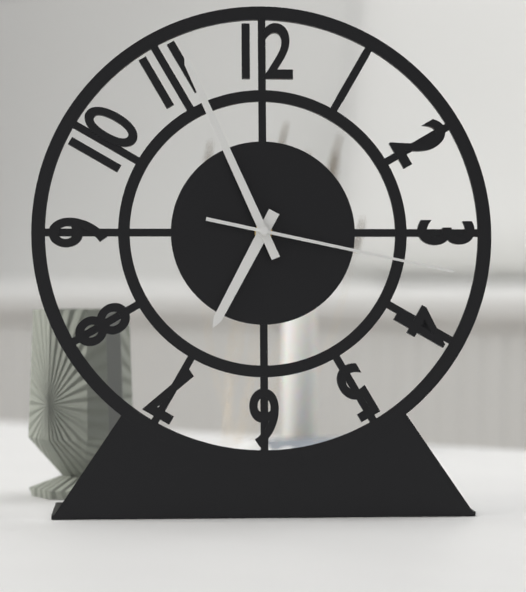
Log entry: 6:56:17
